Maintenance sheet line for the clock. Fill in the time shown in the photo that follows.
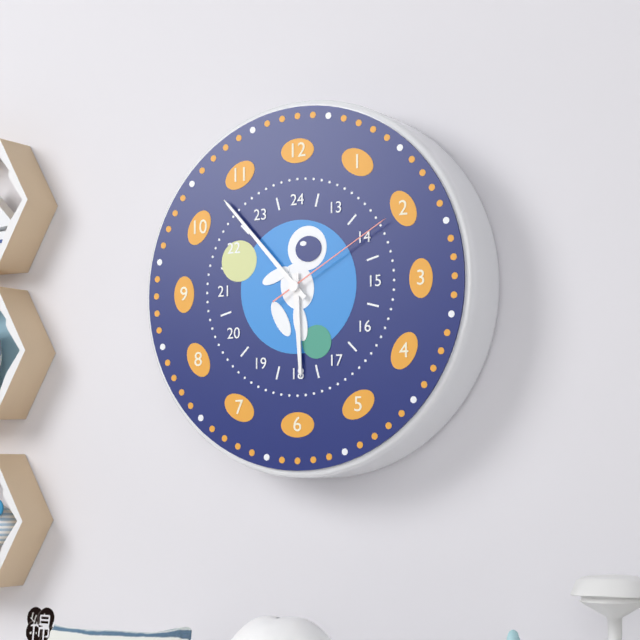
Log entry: 5:53:10
